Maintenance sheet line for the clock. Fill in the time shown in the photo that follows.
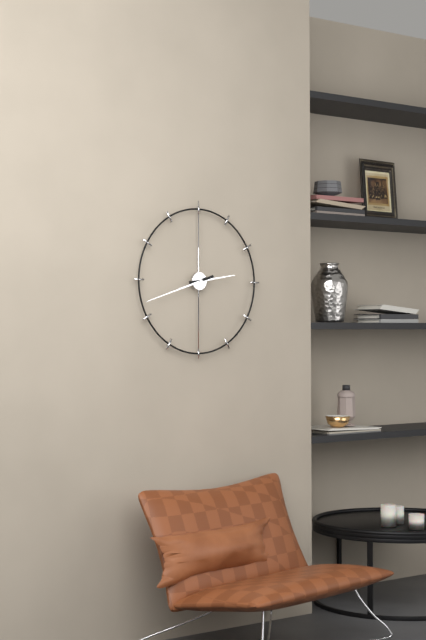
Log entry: 2:42
